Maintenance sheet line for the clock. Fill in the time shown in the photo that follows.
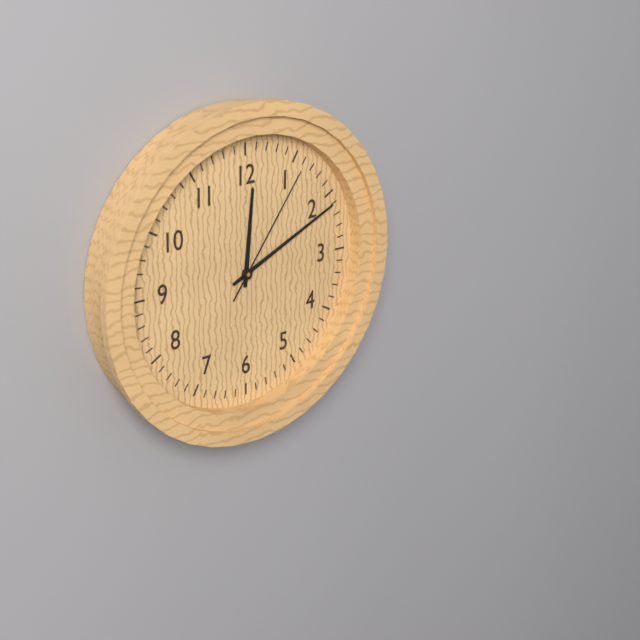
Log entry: 12:11:06
